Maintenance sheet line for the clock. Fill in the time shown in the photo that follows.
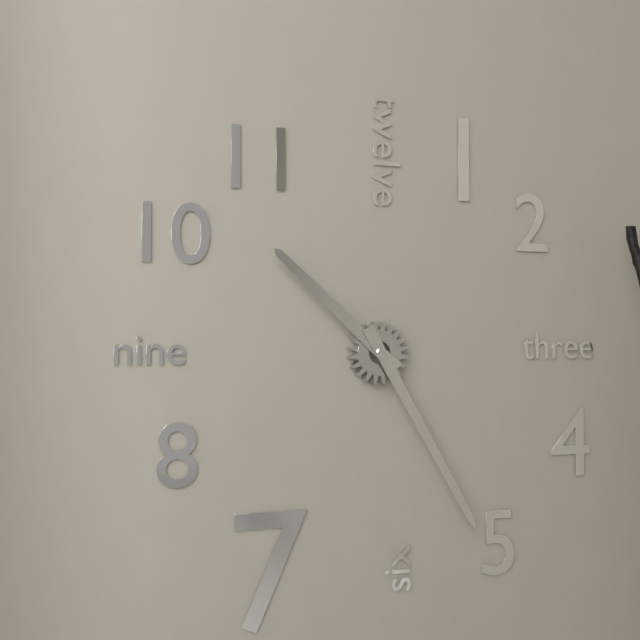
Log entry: 10:25
